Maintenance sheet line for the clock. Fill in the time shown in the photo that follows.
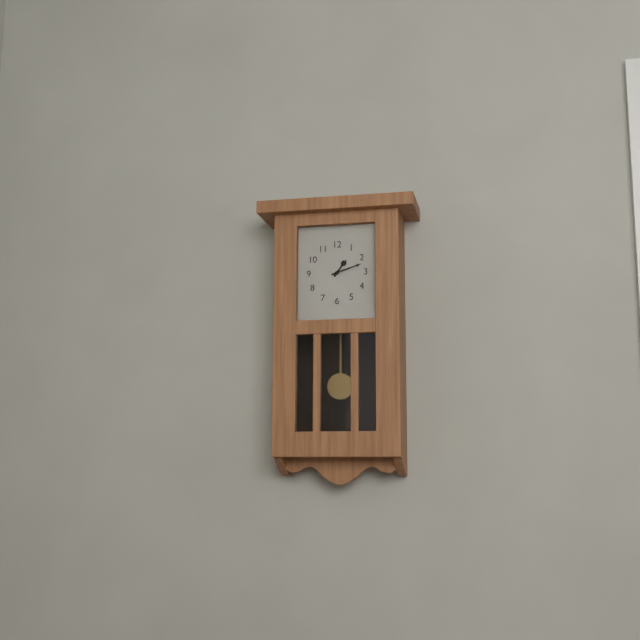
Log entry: 1:12
